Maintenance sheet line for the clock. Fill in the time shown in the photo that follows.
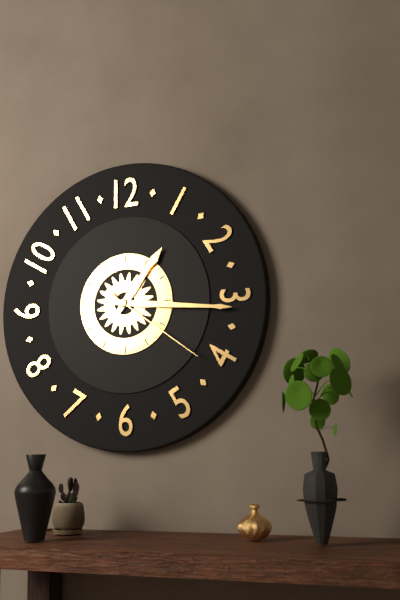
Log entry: 1:16:21
